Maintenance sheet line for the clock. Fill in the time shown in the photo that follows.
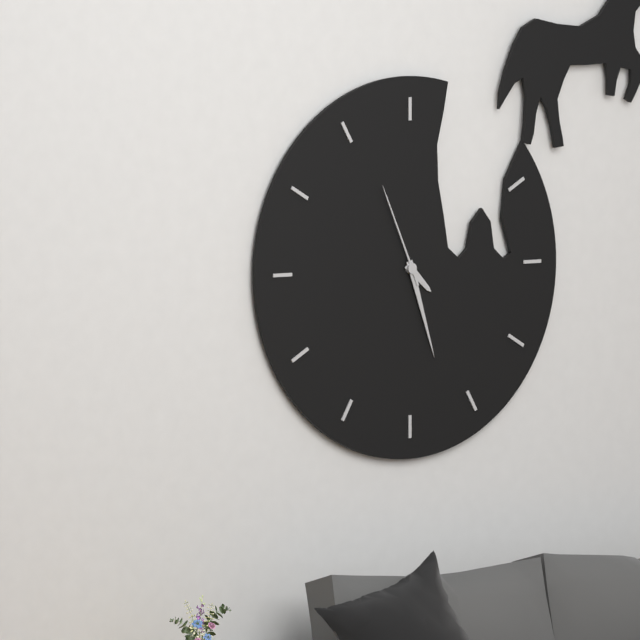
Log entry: 4:27:56
